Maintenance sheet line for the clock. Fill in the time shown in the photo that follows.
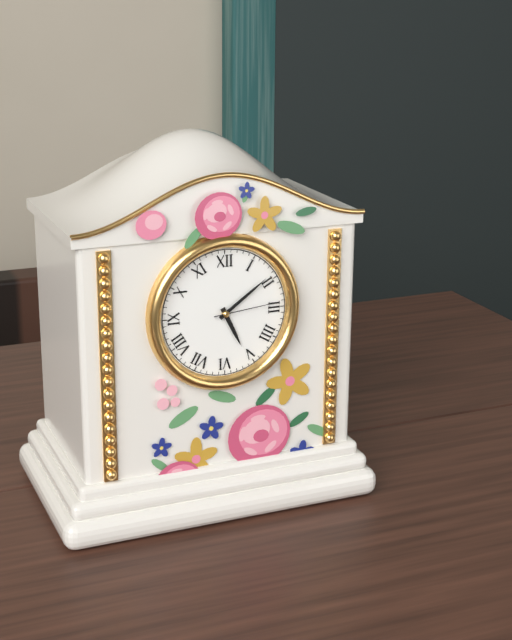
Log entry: 5:09:14
